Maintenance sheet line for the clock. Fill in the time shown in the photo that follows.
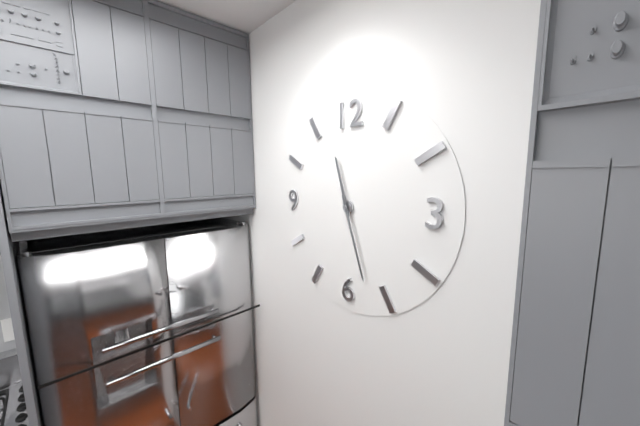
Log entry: 11:27
